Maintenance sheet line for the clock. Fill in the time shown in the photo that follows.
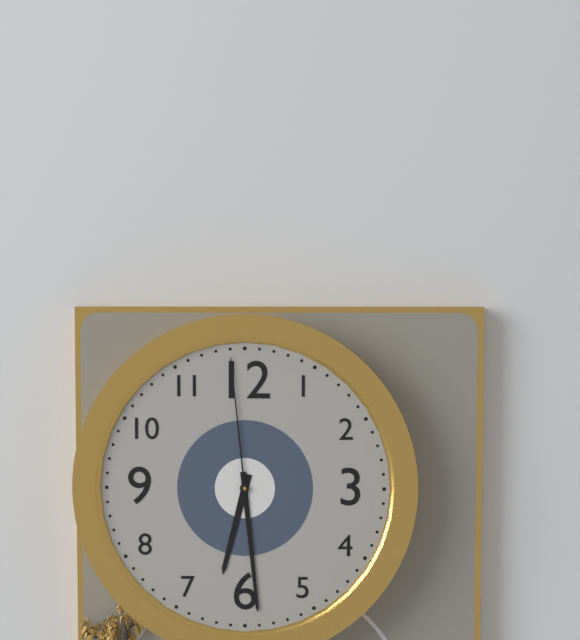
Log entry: 6:29:59
